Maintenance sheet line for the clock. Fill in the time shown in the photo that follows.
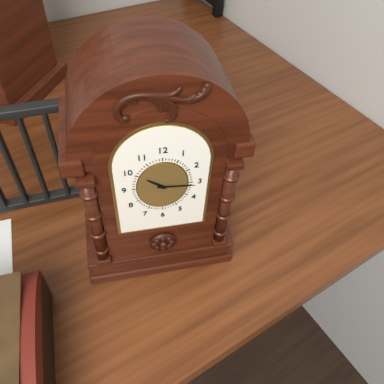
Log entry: 10:16
